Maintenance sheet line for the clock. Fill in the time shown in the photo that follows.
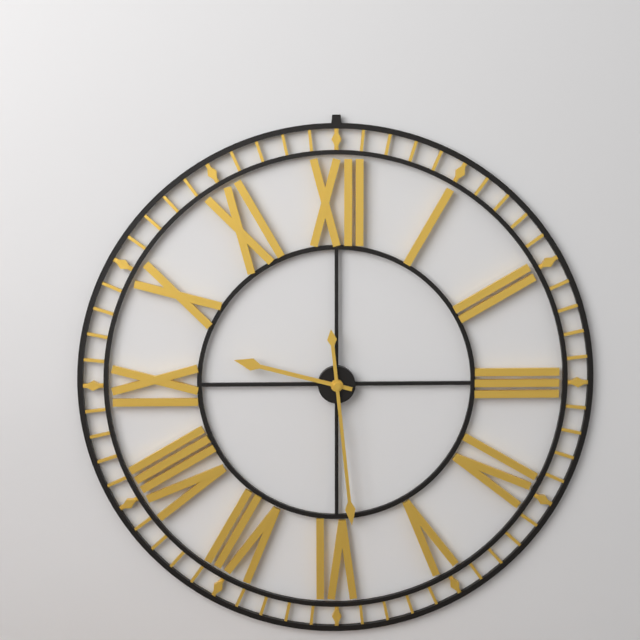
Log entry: 9:29
